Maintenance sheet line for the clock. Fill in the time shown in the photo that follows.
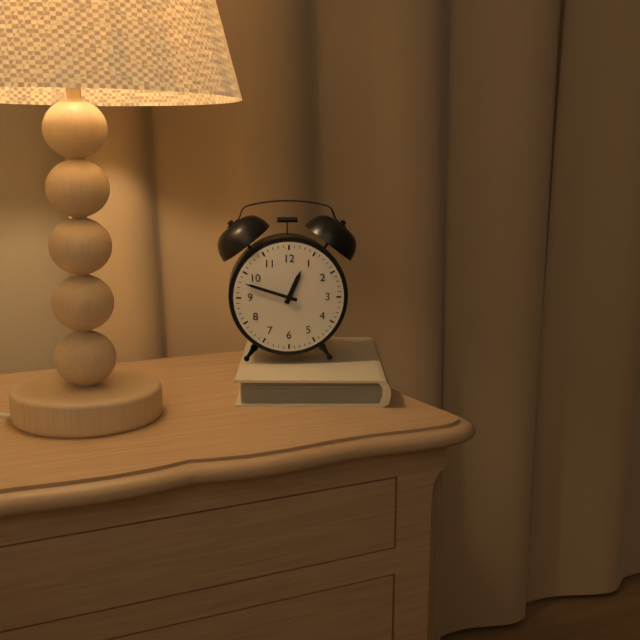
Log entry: 12:48
